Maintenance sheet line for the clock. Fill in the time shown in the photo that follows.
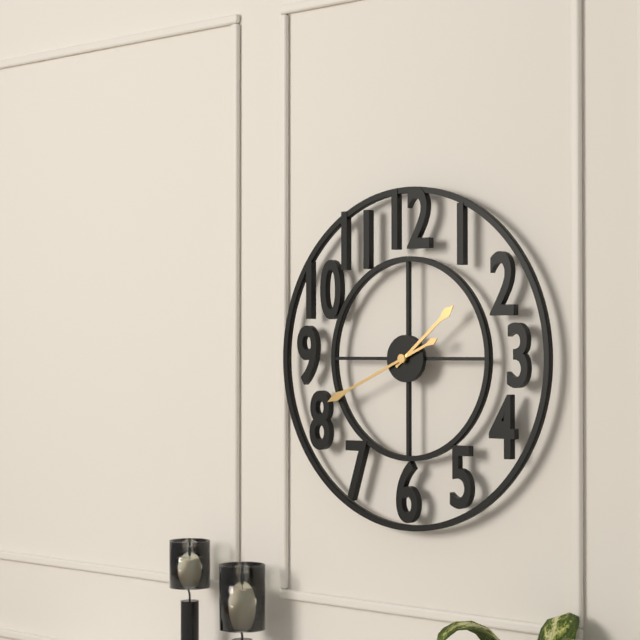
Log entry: 1:41
